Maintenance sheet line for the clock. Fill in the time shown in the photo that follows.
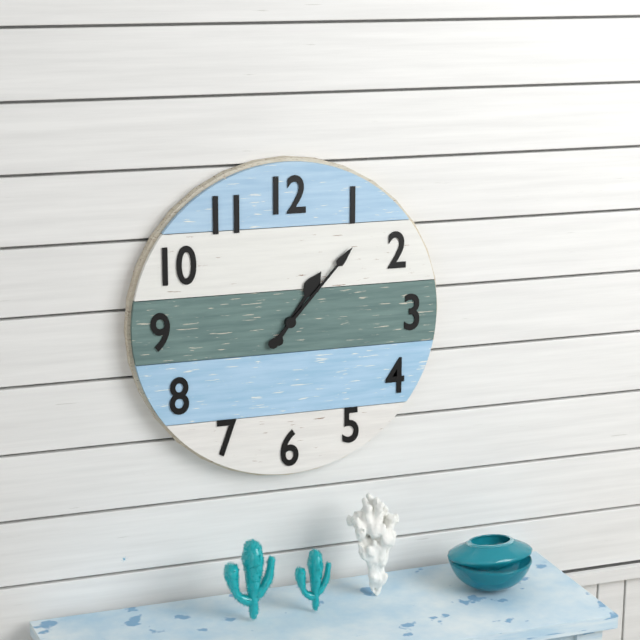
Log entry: 1:07
